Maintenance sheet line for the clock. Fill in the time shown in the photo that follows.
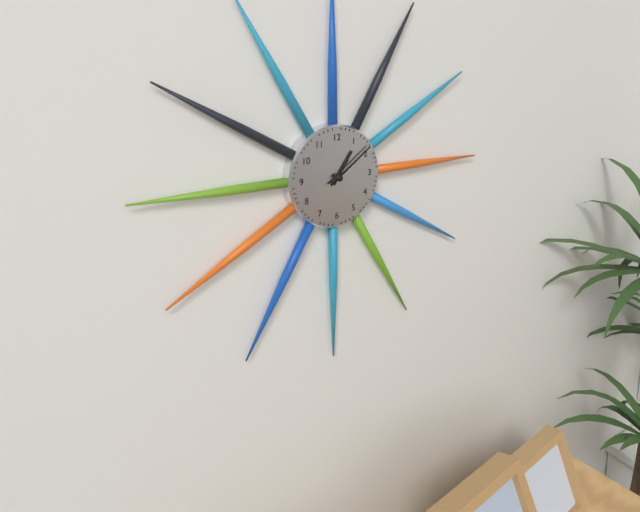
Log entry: 1:09
